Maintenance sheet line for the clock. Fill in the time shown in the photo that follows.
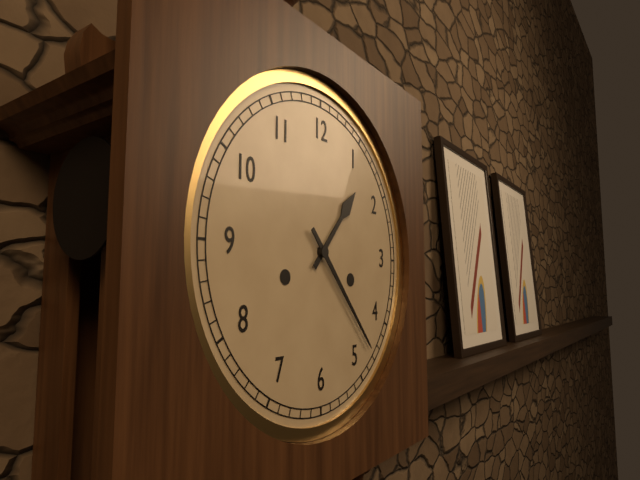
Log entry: 1:23
